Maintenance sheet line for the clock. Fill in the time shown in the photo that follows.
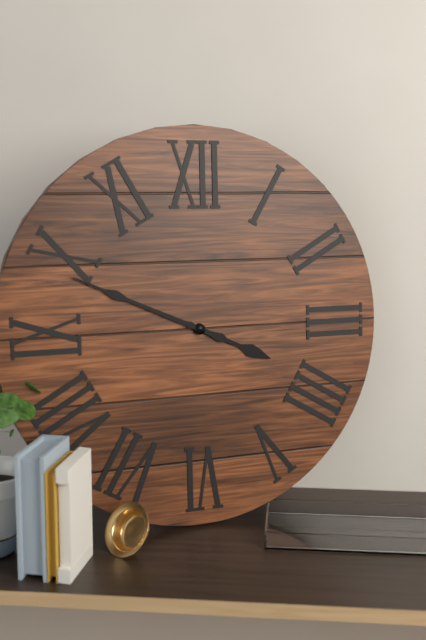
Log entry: 3:49
